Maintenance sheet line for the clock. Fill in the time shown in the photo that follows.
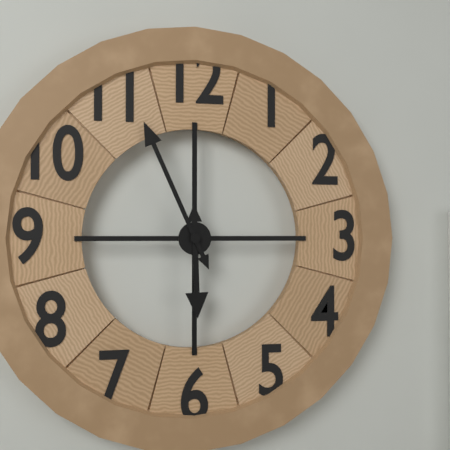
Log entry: 5:56
